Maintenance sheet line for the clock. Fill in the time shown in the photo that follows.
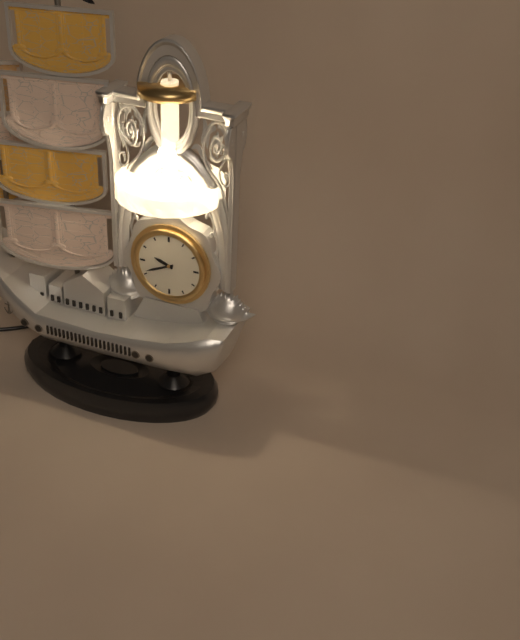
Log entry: 9:41
